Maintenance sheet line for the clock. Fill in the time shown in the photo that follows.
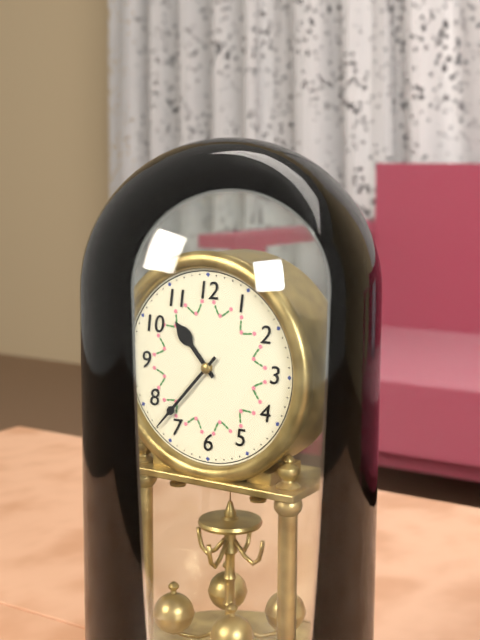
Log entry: 10:37
